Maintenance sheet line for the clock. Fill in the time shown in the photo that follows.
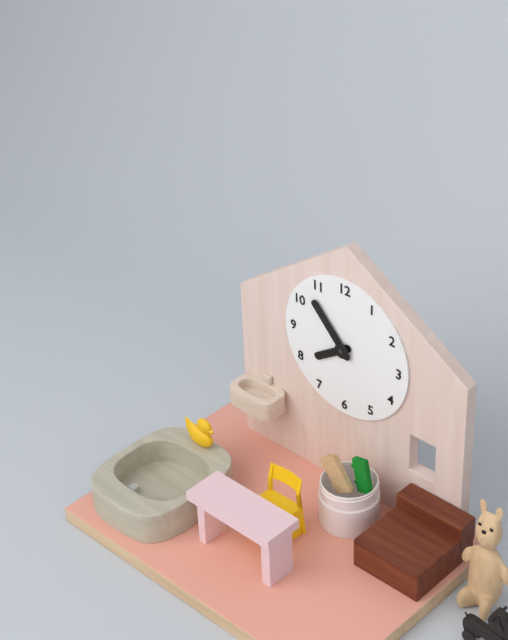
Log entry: 7:53
